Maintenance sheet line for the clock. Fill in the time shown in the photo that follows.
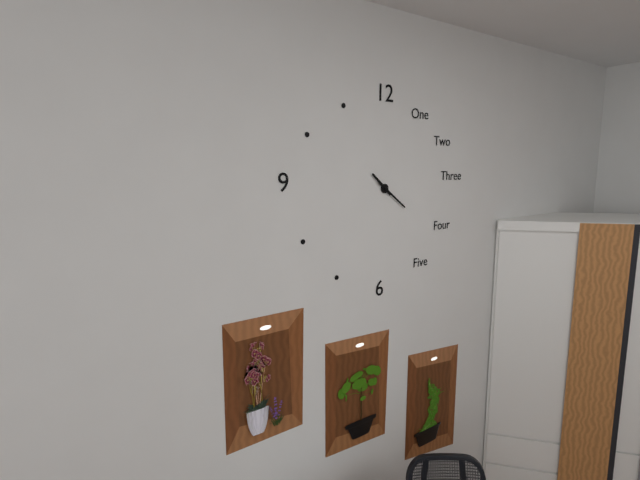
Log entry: 10:21
